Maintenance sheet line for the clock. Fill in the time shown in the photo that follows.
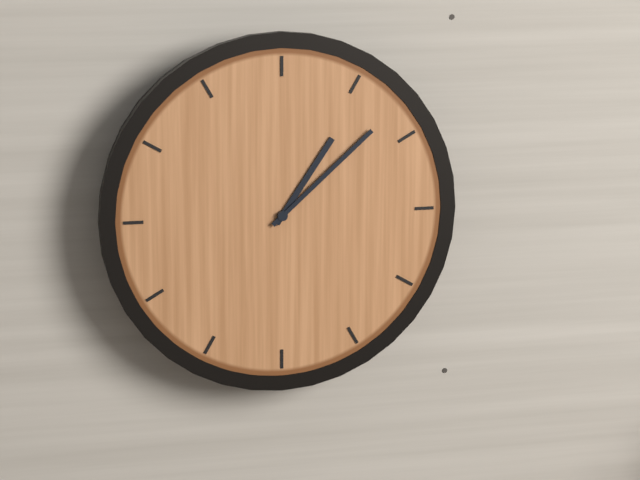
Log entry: 1:08
